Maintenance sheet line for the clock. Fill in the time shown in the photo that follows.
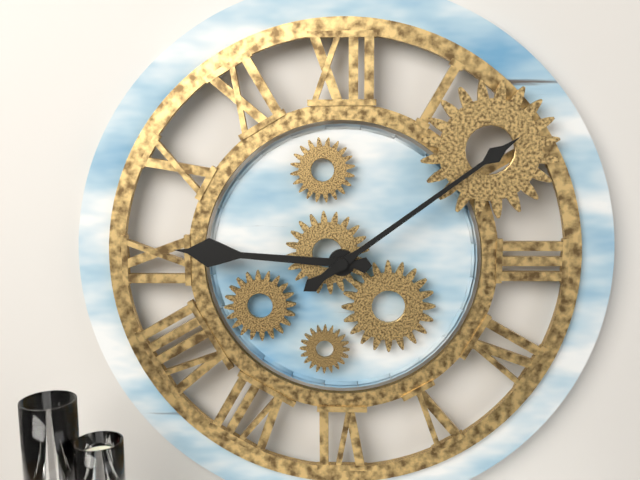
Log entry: 9:09
